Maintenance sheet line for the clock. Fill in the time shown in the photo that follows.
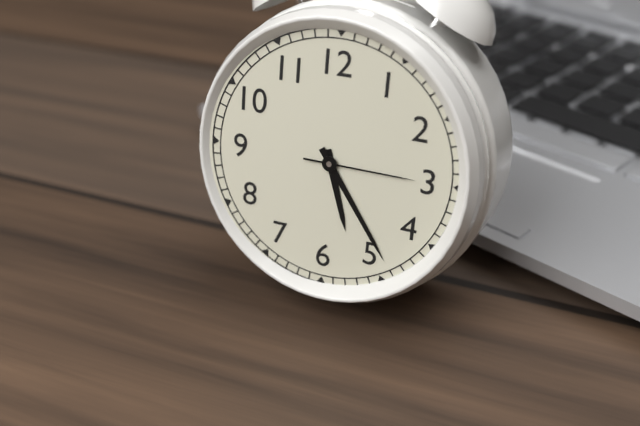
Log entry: 5:24:15
